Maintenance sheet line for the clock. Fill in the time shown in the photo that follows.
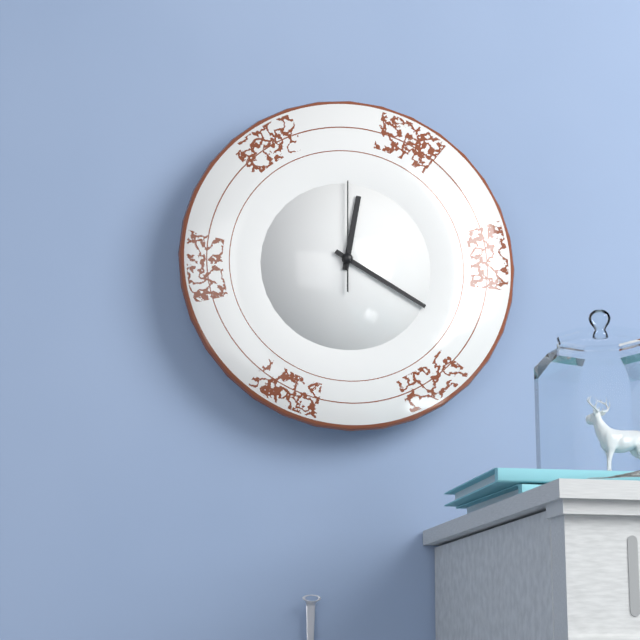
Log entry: 12:20:00
